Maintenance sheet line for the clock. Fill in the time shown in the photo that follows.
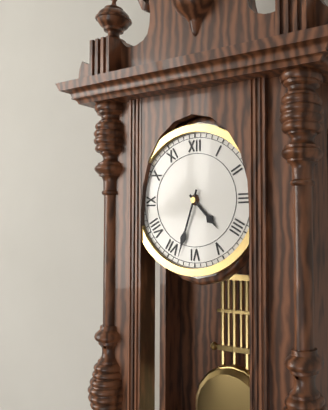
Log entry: 4:33
